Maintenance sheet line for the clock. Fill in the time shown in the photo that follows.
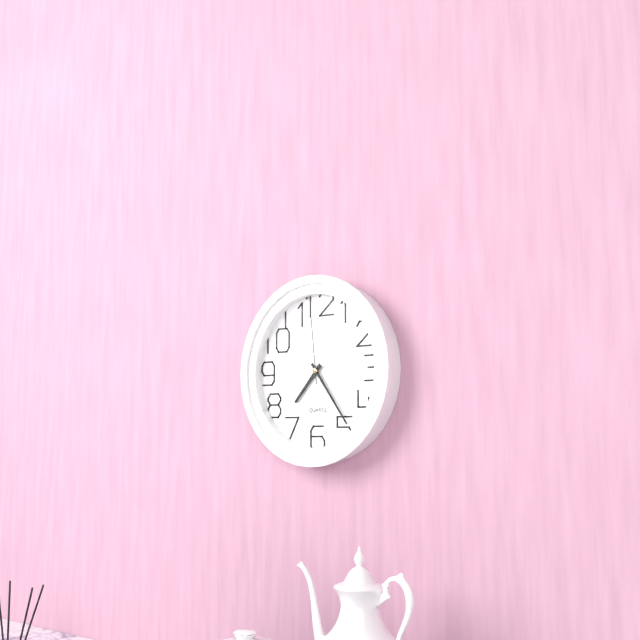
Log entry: 7:24:59
